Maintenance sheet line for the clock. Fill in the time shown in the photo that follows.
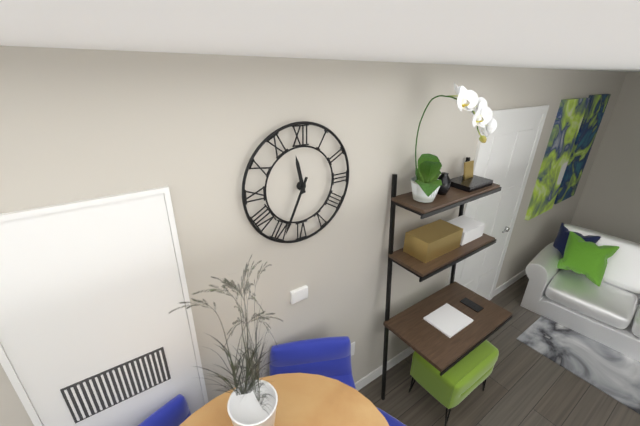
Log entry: 11:34
